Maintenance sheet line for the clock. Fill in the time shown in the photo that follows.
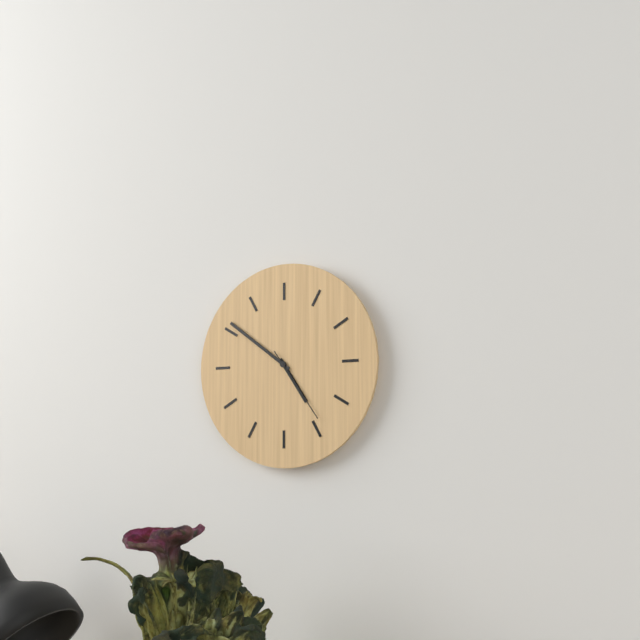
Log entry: 4:51:24
